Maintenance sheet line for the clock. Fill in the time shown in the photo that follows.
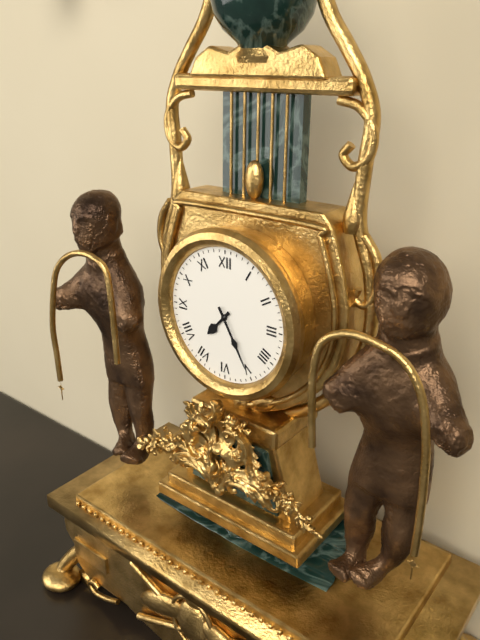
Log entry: 7:25
